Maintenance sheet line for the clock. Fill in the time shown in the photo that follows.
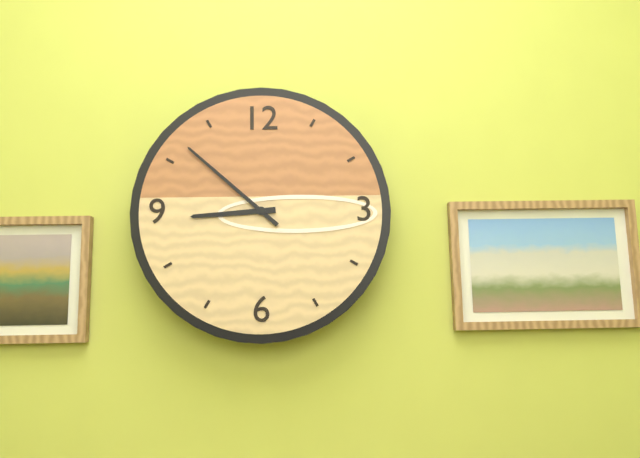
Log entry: 8:52
